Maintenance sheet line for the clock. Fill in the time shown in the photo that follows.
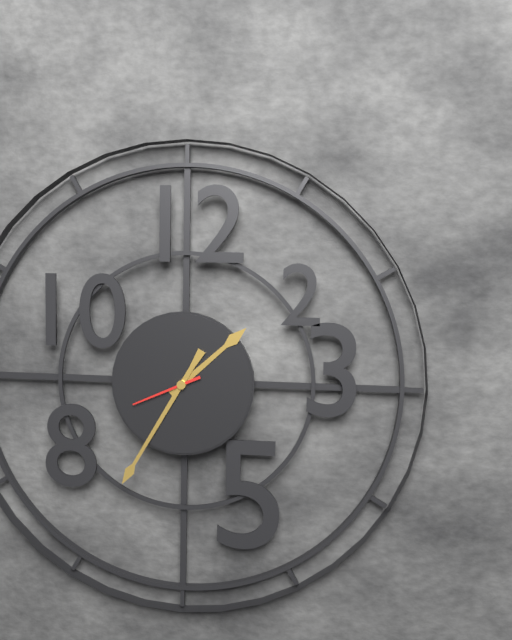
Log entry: 1:35:41
